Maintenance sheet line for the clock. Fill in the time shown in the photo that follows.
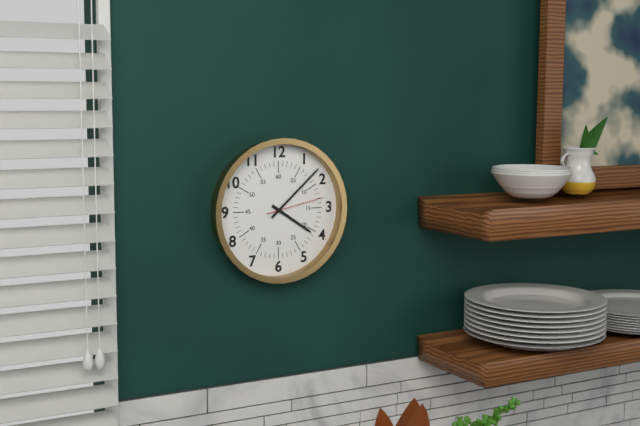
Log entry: 4:08:13
